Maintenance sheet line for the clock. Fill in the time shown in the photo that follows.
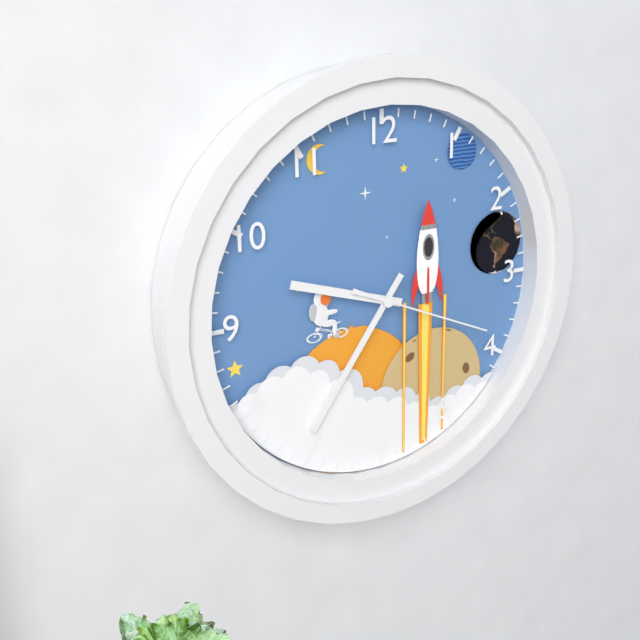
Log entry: 9:36:19
